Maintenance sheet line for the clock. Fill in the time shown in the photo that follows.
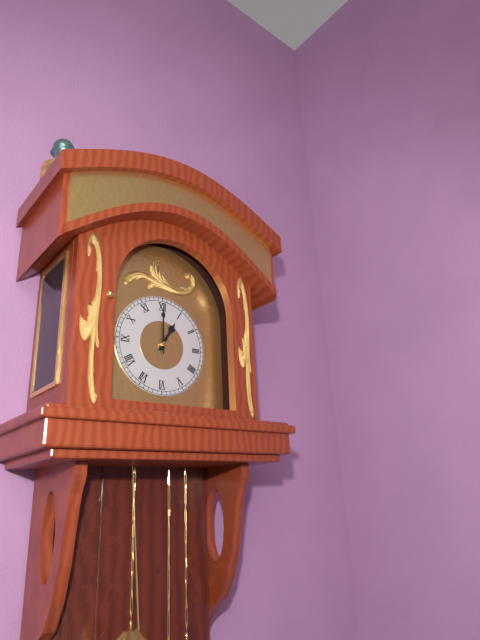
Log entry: 1:00
